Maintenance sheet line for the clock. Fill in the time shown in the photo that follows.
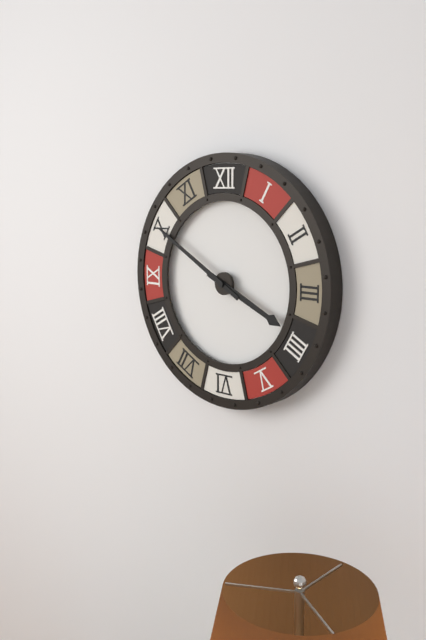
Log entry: 3:50
